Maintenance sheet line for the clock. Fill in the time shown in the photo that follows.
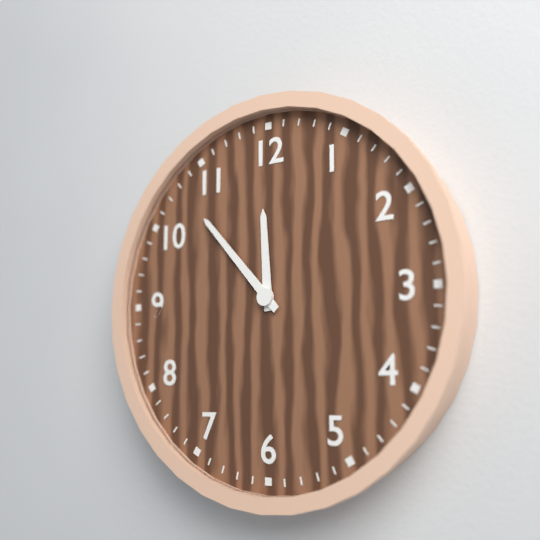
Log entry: 11:53
